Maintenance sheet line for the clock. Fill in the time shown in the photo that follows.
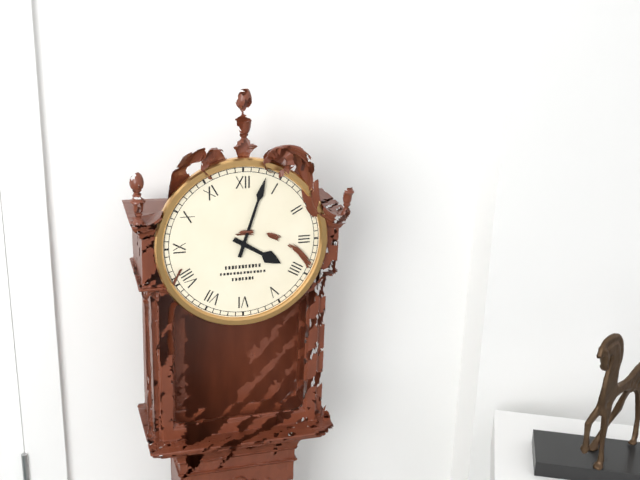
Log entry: 4:03
